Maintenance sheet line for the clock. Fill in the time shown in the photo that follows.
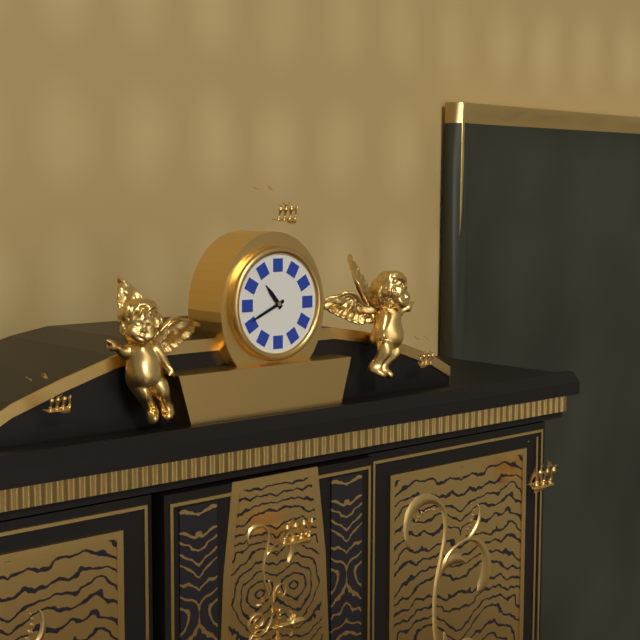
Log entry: 10:41
